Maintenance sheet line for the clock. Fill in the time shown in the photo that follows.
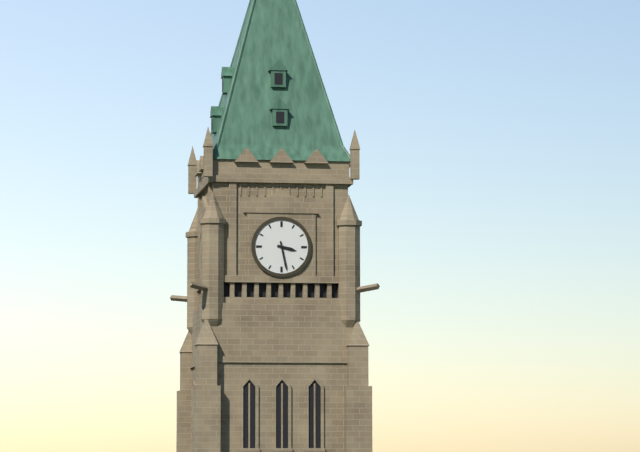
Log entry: 3:28
